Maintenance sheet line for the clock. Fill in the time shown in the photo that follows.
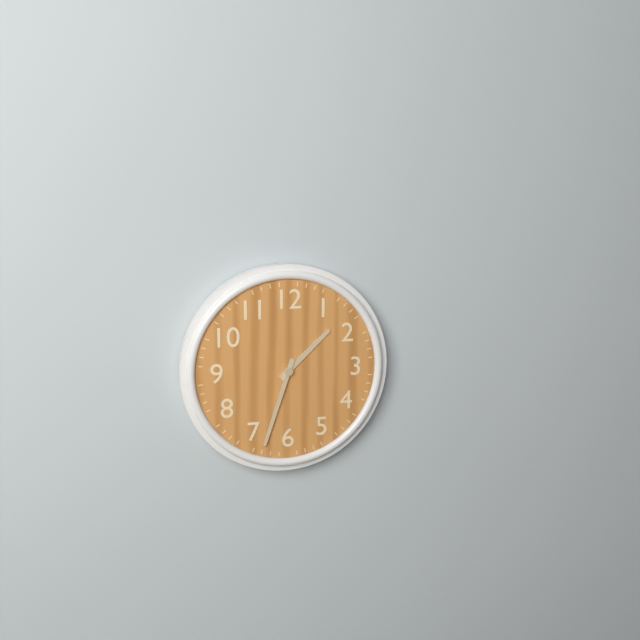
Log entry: 1:33
